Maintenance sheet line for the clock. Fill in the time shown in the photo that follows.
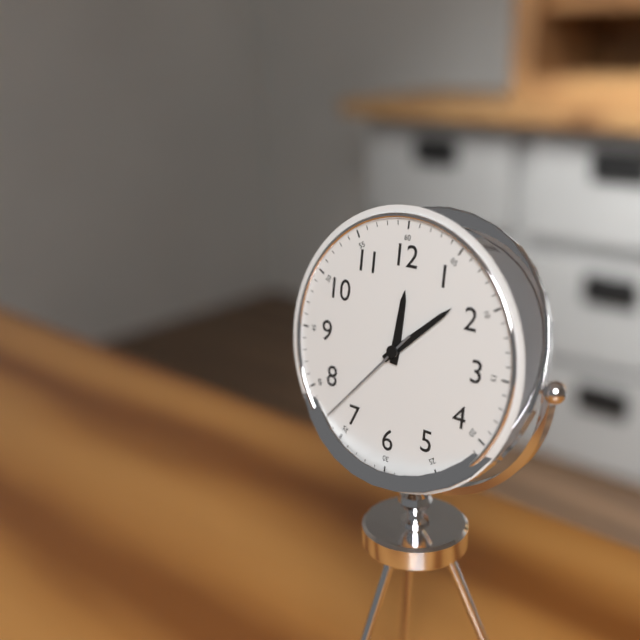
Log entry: 12:08:37
